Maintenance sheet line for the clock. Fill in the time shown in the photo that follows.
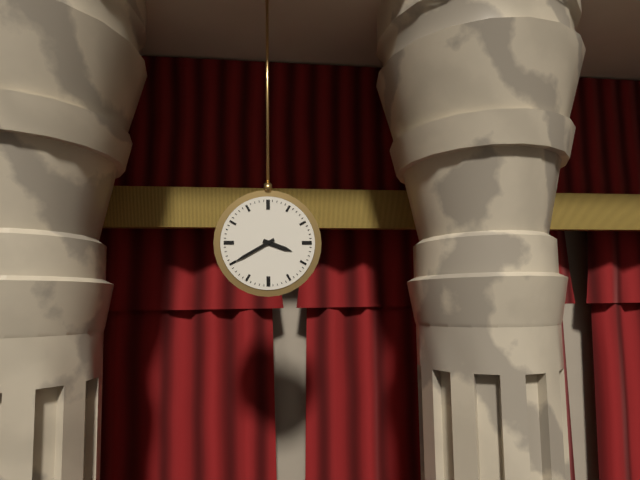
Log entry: 3:40
